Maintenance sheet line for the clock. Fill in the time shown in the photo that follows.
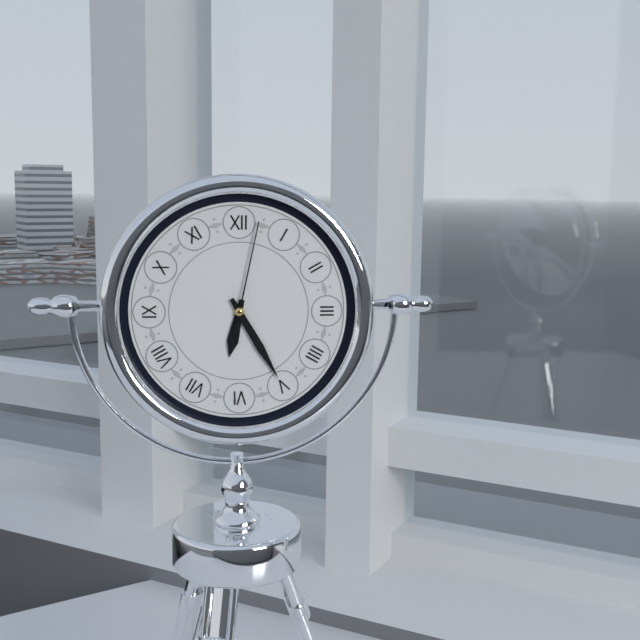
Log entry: 6:25:02
